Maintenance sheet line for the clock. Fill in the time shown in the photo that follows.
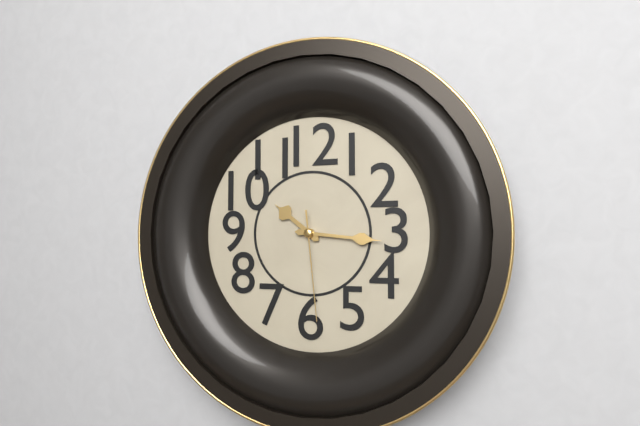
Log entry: 10:16:29
